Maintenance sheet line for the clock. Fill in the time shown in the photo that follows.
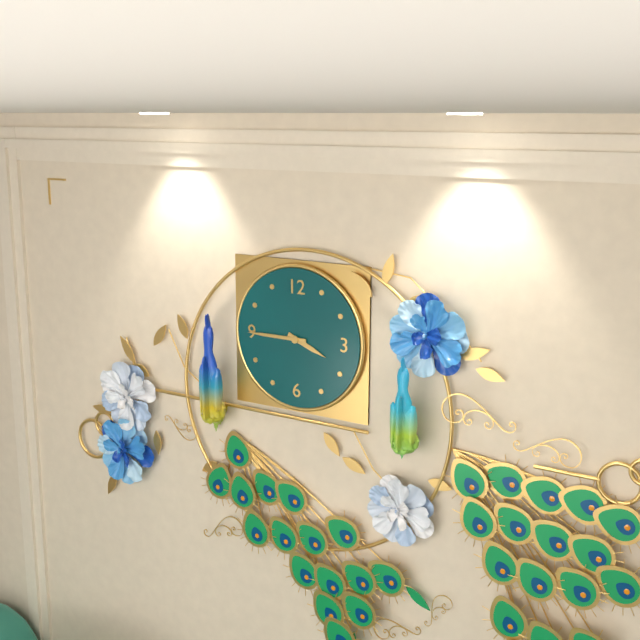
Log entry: 3:45
